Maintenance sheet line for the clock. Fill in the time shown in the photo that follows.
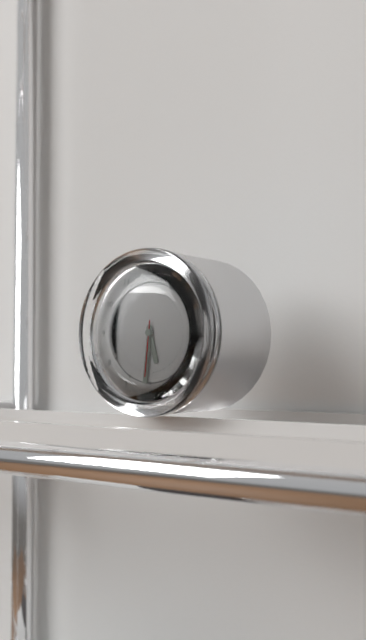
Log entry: 5:31:31
